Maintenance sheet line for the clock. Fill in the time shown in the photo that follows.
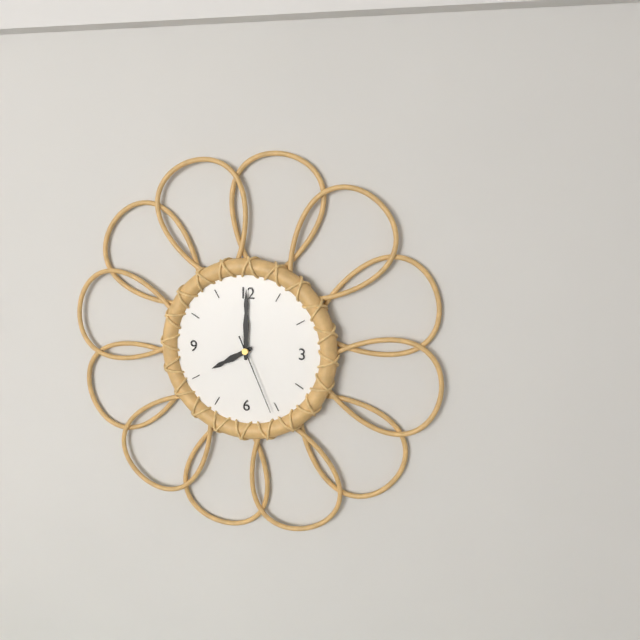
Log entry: 8:00:26
